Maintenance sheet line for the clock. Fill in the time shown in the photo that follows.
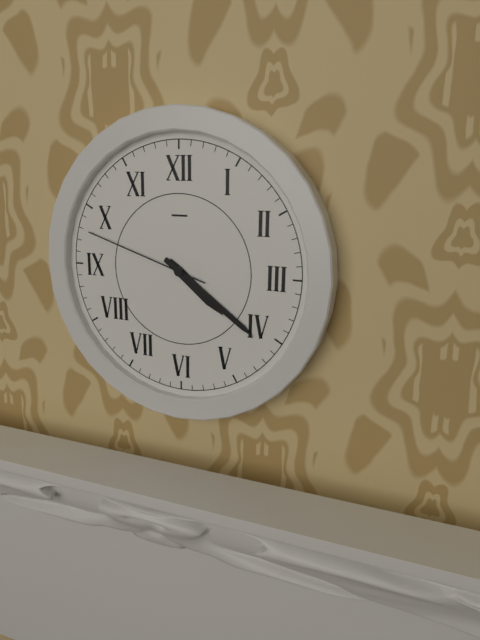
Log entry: 4:21:48
